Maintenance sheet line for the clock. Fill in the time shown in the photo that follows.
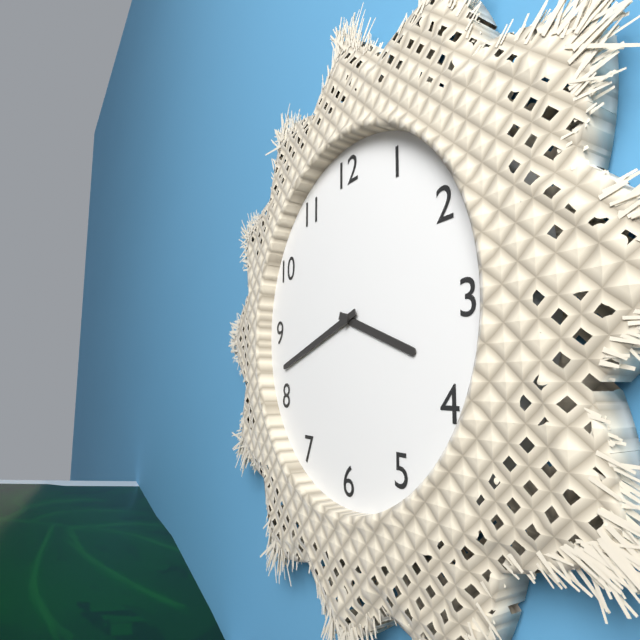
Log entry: 3:42
